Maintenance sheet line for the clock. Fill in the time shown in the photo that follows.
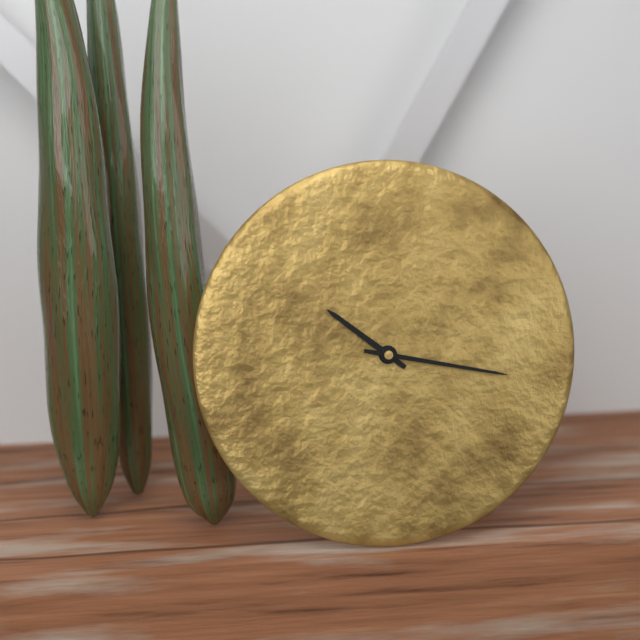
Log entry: 10:17
